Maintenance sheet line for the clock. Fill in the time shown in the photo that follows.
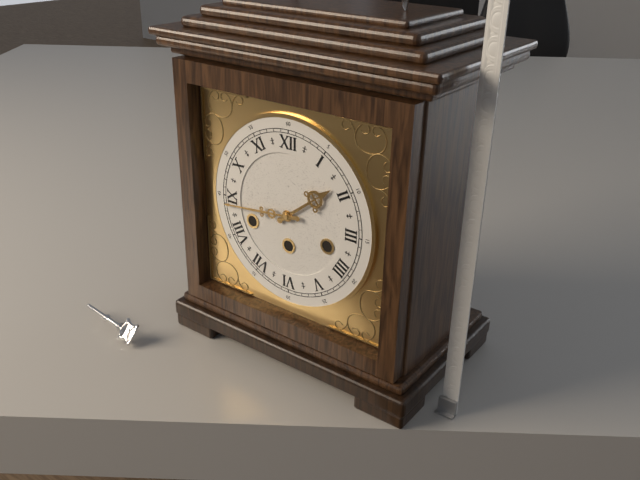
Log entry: 1:44
